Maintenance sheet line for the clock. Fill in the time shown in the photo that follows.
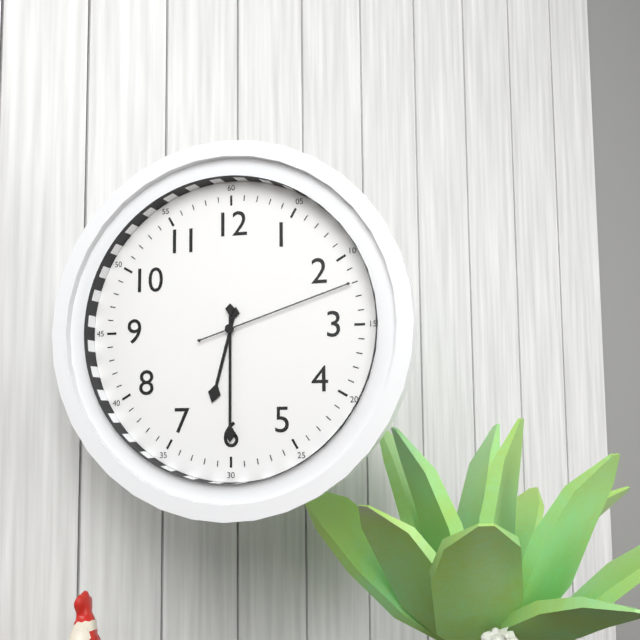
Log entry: 6:30:12
